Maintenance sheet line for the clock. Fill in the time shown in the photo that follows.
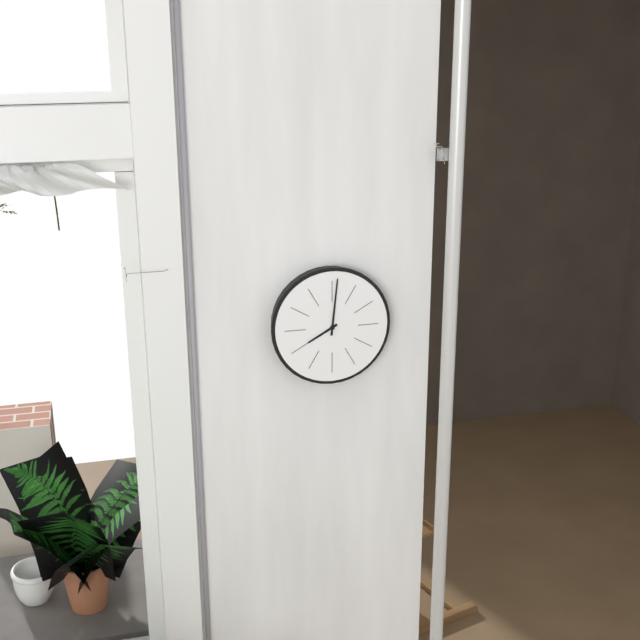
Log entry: 8:01
